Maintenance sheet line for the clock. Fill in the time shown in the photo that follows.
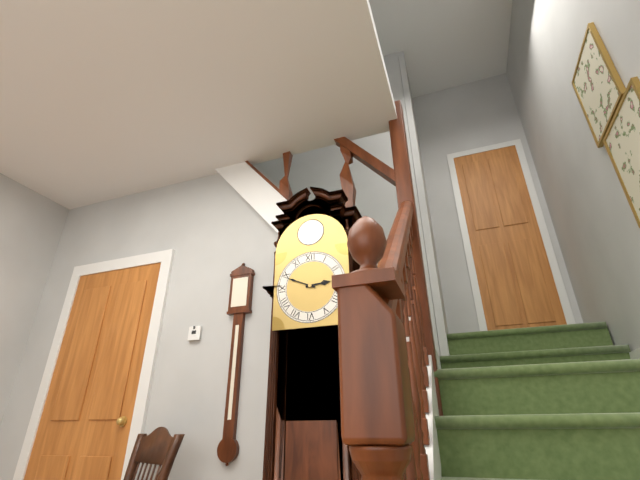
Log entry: 2:49
